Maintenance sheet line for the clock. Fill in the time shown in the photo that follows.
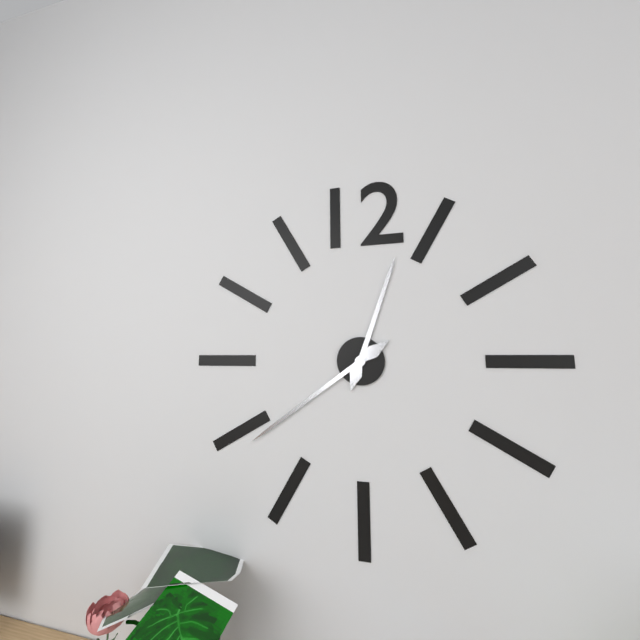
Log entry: 12:39
